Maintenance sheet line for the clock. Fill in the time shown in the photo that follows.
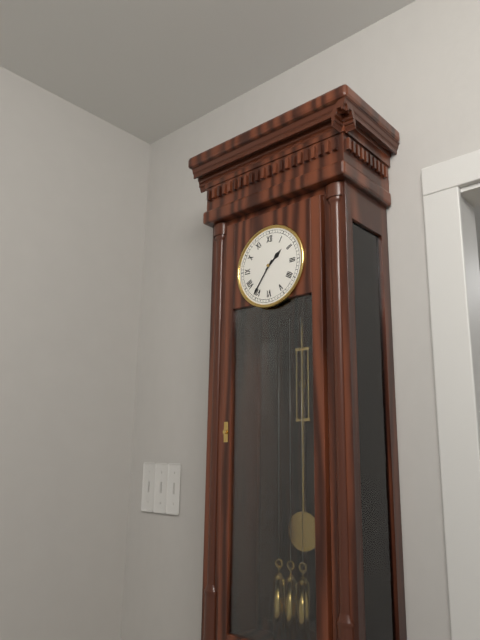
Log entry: 1:36
